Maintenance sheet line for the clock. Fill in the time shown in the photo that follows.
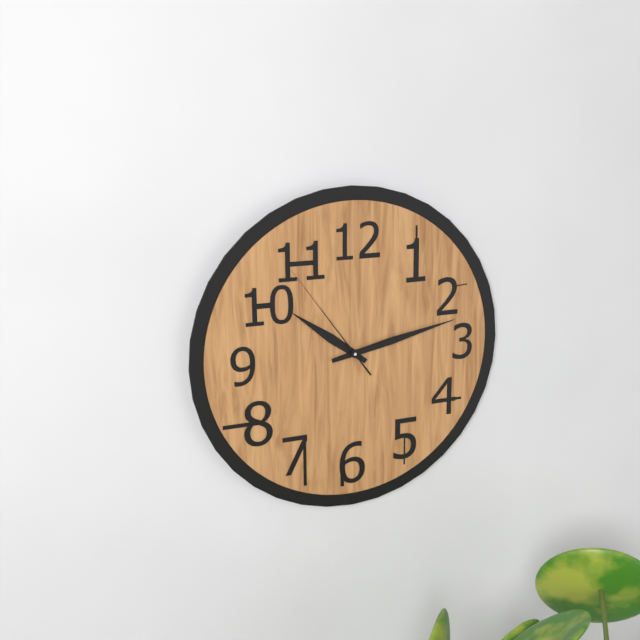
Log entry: 10:13:54
